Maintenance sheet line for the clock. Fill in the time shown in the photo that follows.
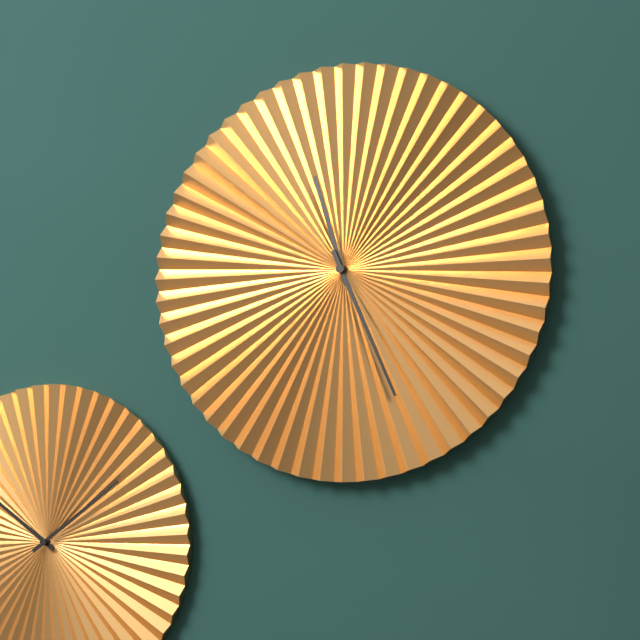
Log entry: 11:26
